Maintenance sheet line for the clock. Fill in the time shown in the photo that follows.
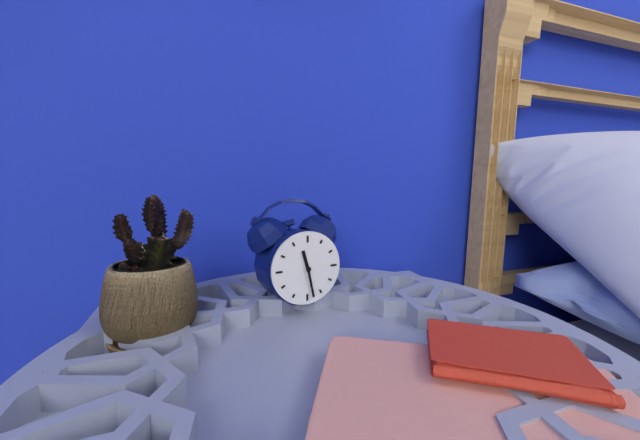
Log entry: 11:28
